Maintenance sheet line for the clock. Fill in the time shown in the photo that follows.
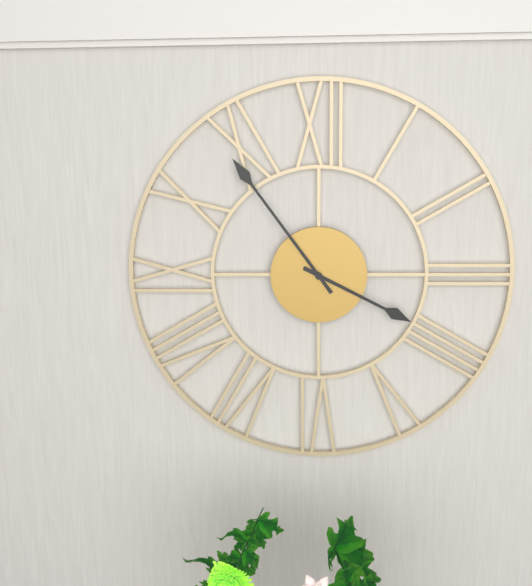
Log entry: 3:54
